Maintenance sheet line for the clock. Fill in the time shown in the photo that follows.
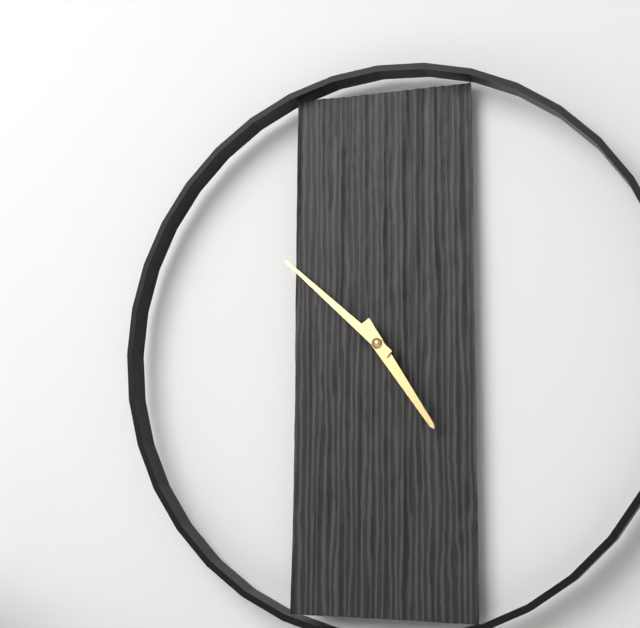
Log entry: 4:52
